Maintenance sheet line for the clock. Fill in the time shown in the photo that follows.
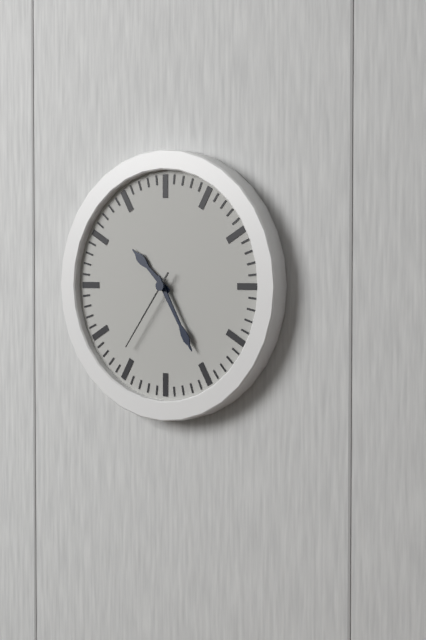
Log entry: 10:25:36
